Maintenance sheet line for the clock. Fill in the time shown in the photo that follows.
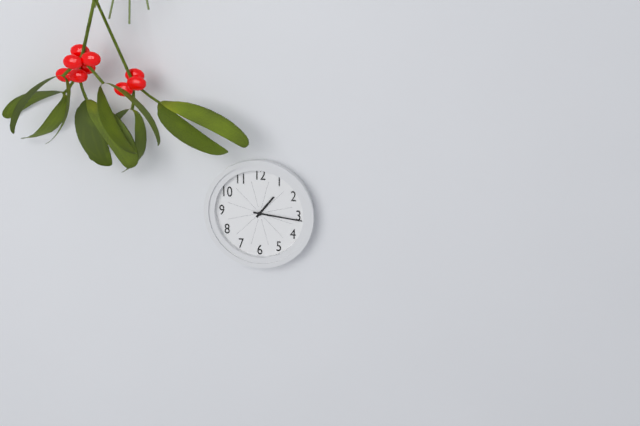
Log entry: 1:16
